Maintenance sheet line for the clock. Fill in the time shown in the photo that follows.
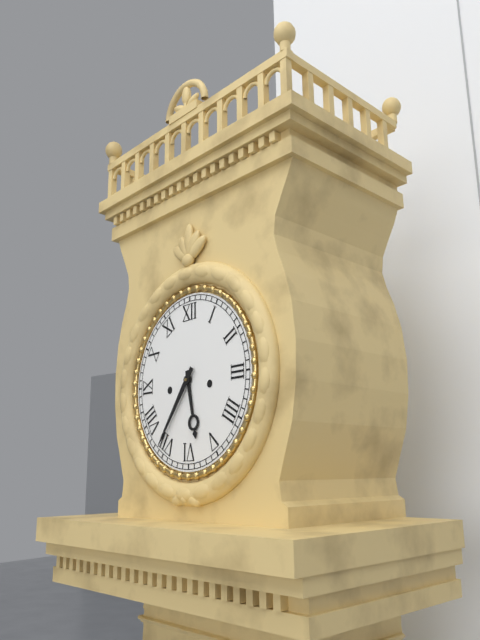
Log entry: 5:36
